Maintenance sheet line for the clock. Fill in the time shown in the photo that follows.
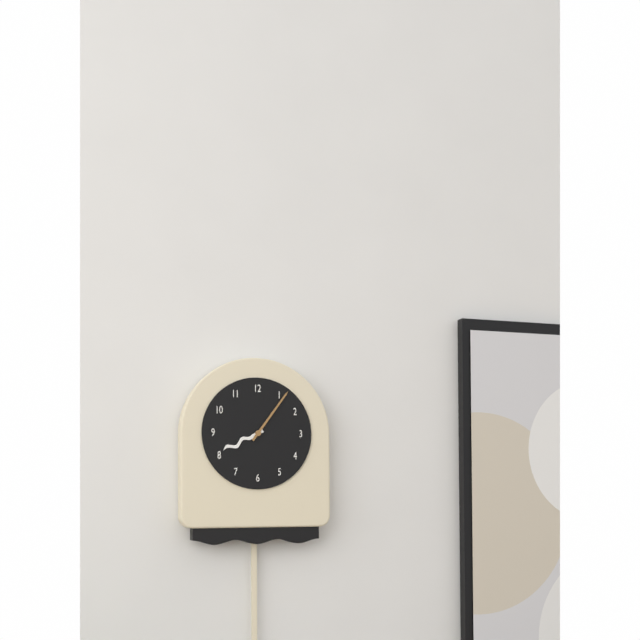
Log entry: 8:06
